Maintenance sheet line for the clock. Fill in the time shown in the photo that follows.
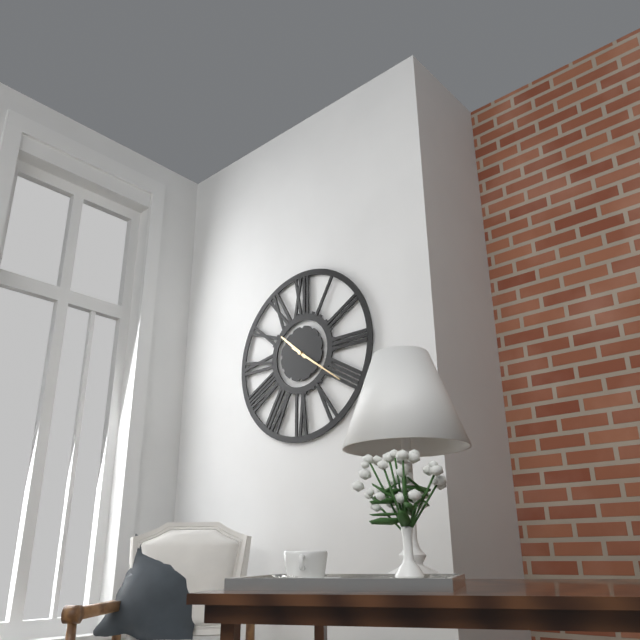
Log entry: 10:21
